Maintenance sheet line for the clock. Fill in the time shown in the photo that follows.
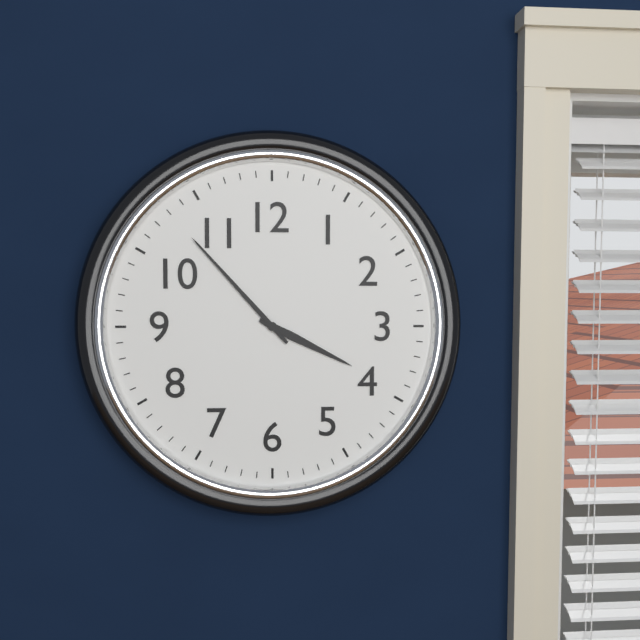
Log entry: 3:53
